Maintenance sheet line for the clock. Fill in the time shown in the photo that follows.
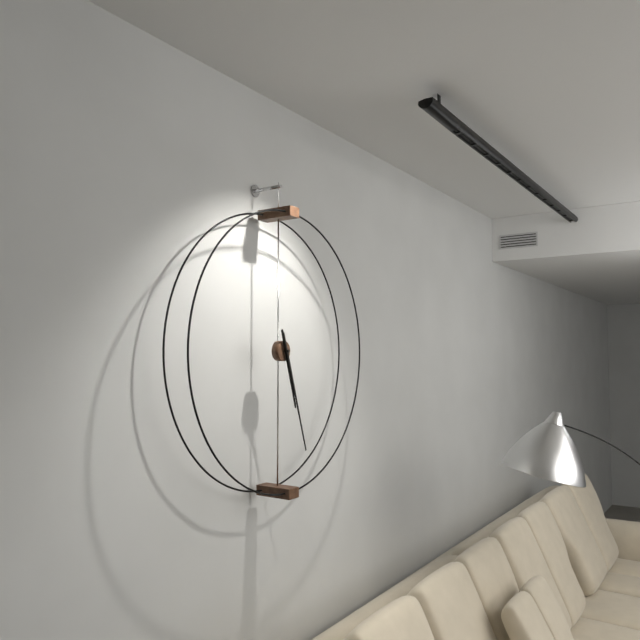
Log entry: 5:27
